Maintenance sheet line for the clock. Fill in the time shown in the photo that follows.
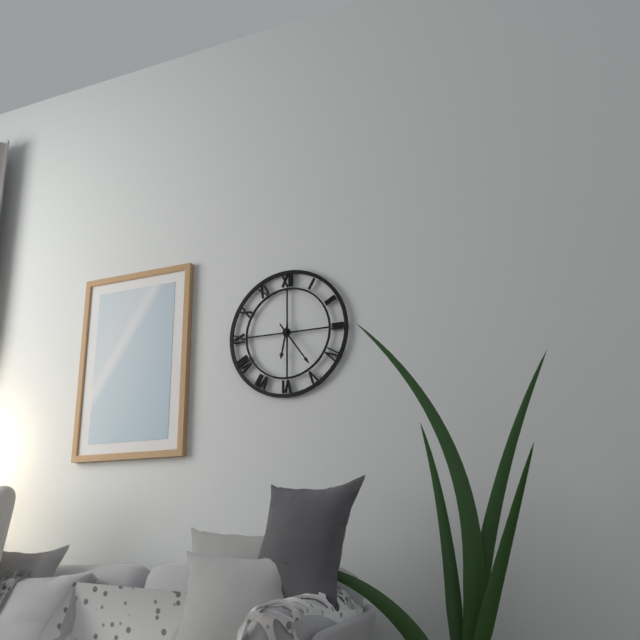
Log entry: 6:24
